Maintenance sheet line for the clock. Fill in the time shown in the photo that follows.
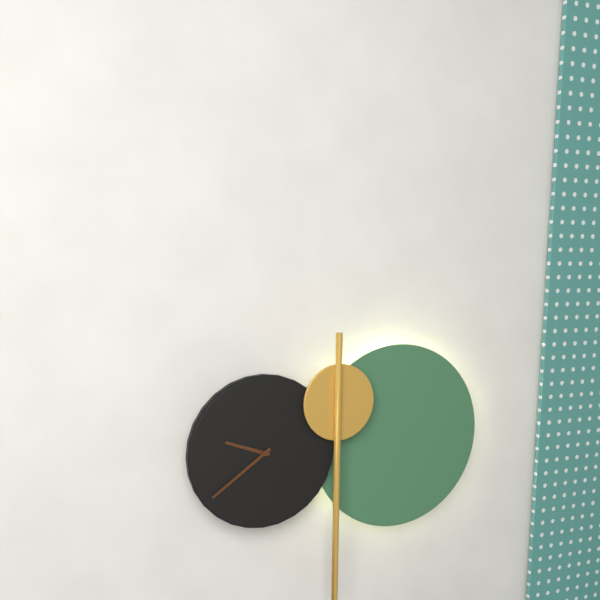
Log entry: 9:39
